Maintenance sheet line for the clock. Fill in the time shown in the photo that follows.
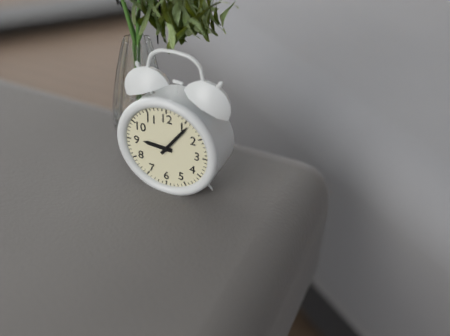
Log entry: 9:06
